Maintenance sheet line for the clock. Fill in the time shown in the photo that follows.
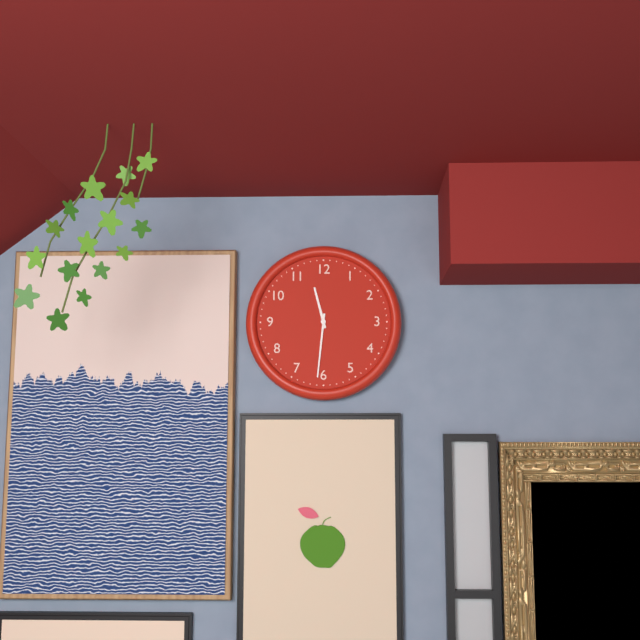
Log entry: 11:31
